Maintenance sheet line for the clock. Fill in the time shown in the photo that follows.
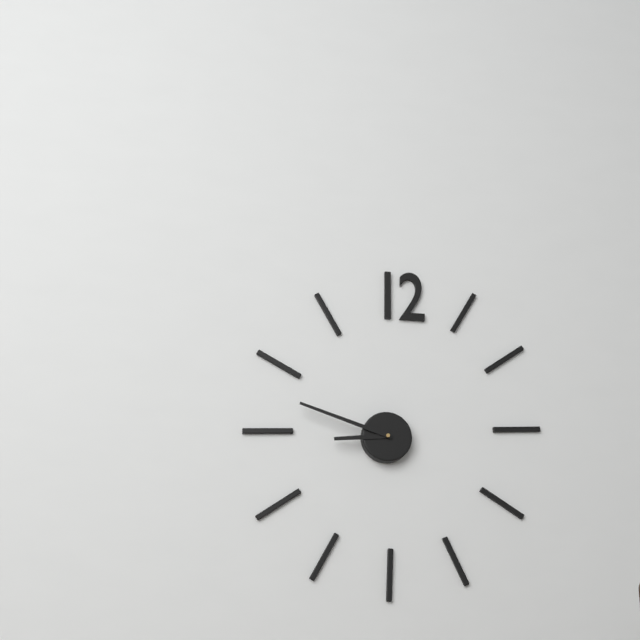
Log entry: 8:48
